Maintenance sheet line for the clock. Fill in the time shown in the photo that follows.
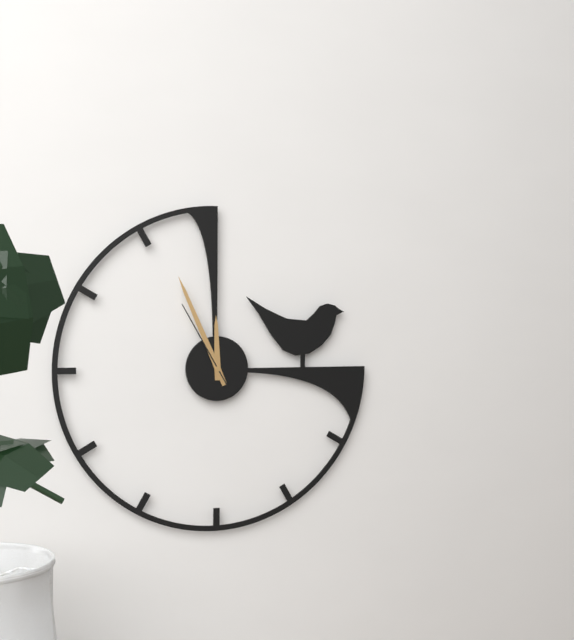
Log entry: 11:56:55
